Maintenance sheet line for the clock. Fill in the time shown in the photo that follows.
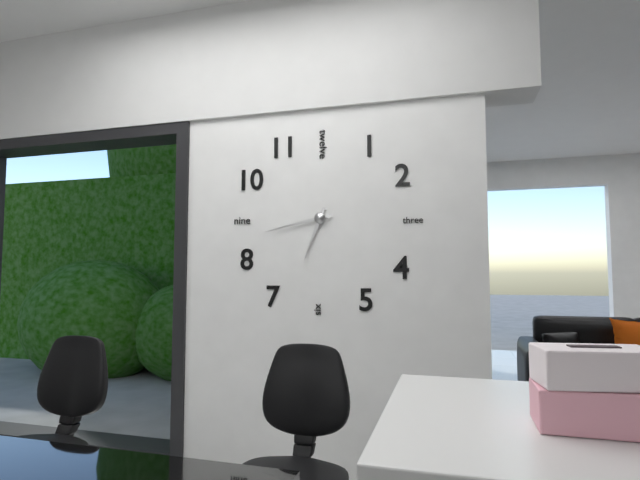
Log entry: 6:43
